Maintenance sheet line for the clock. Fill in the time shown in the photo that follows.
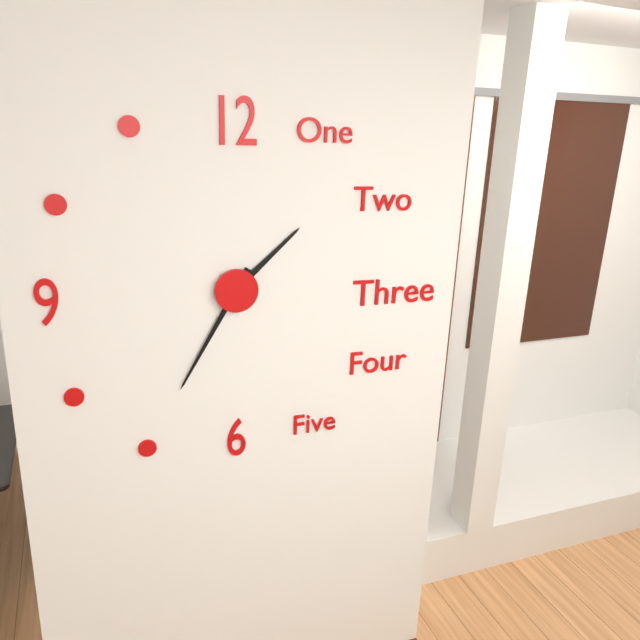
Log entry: 1:35
